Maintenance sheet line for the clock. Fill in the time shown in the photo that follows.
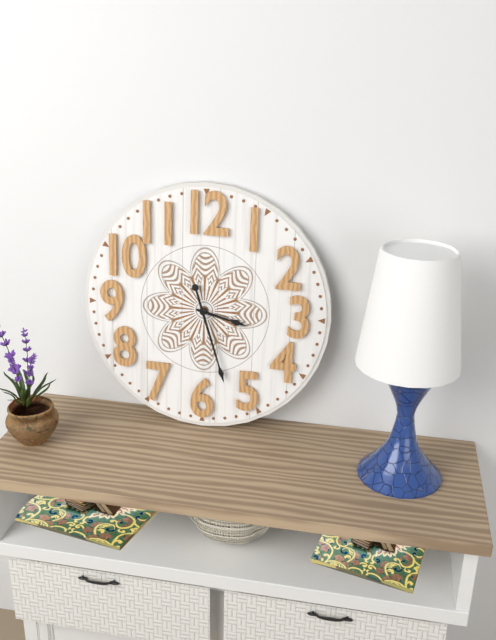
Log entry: 3:27
